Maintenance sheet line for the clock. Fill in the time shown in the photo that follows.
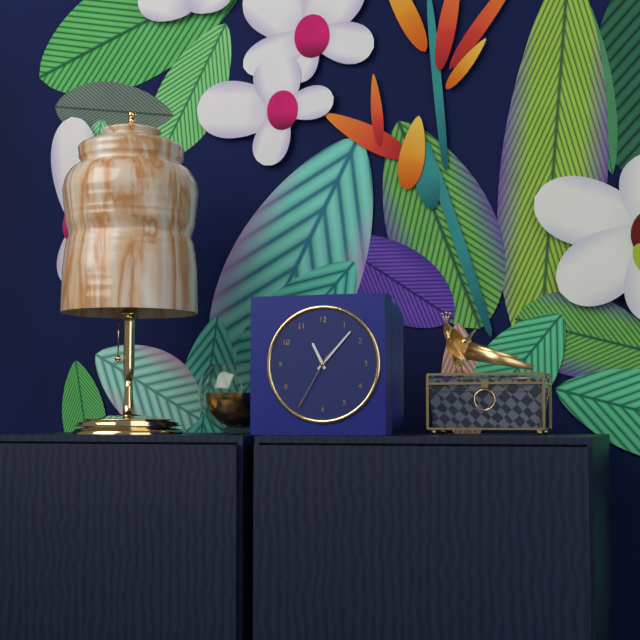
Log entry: 11:07:35
